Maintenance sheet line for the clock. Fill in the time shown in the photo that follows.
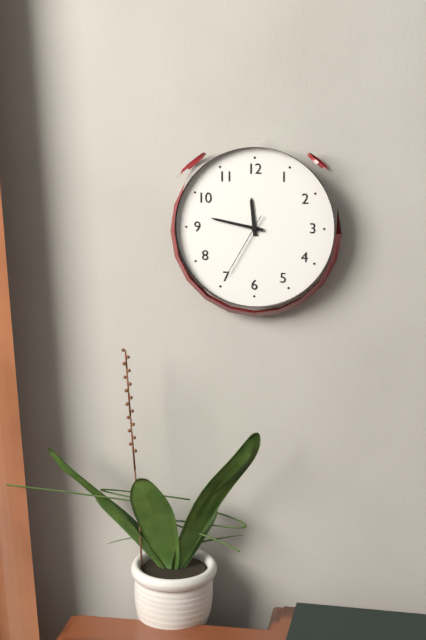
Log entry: 11:47:35
